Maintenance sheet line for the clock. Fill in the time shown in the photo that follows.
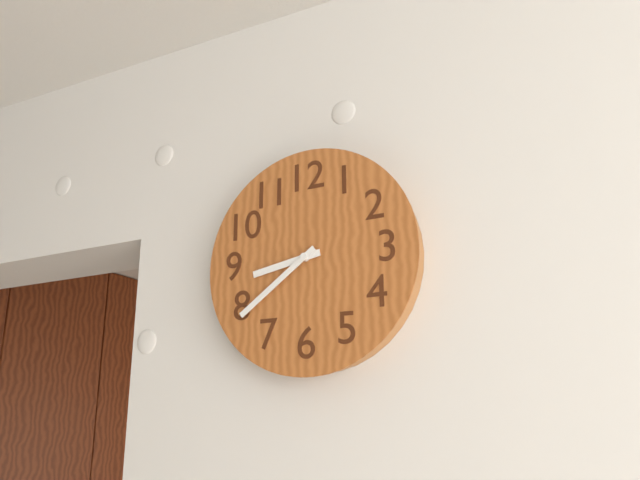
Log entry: 8:39
